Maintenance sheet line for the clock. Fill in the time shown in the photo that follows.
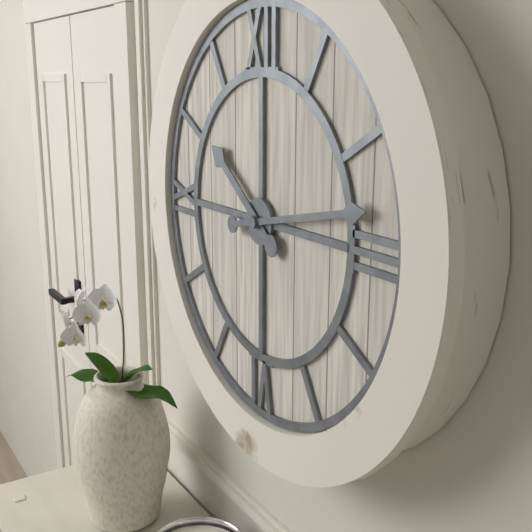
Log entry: 10:13
